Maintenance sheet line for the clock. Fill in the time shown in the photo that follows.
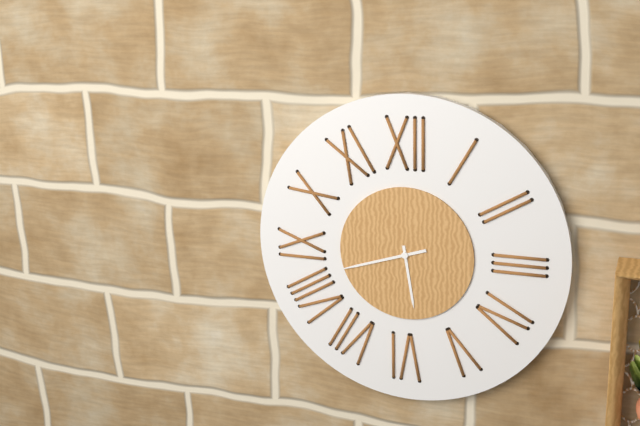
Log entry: 5:42
